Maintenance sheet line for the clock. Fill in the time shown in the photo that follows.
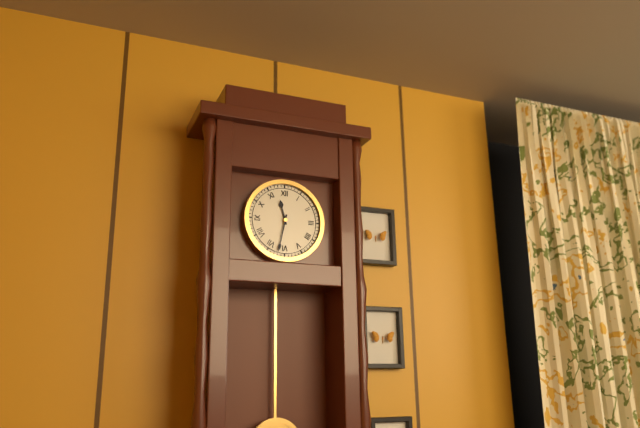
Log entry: 11:32
